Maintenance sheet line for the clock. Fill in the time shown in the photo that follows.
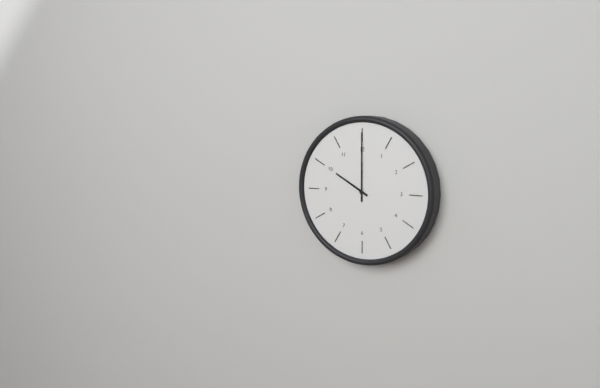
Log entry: 10:00
